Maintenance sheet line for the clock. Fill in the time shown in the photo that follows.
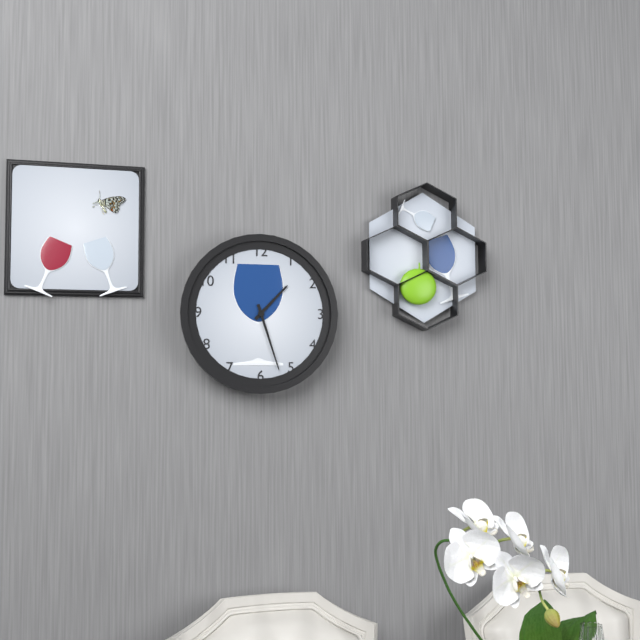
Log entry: 1:27
